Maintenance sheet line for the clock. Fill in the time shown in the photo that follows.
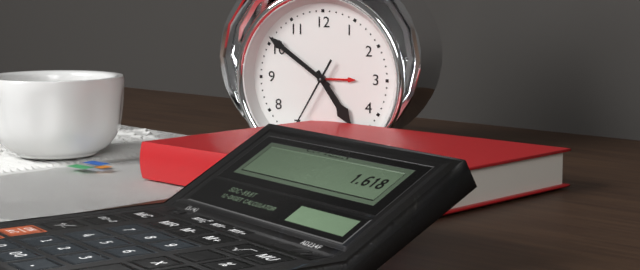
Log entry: 4:51:35
